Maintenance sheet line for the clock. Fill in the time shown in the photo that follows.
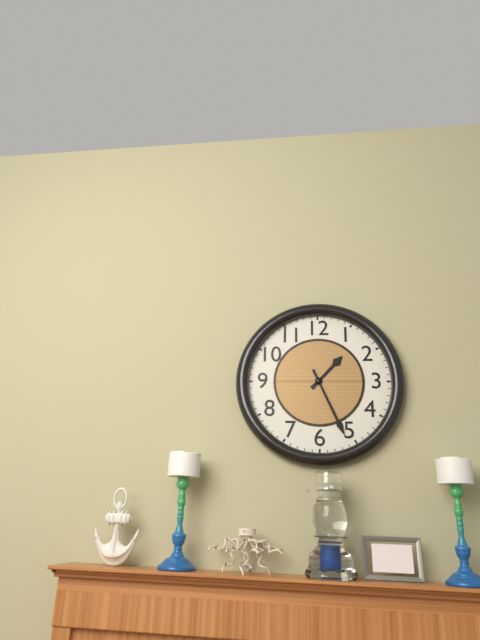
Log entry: 1:26
